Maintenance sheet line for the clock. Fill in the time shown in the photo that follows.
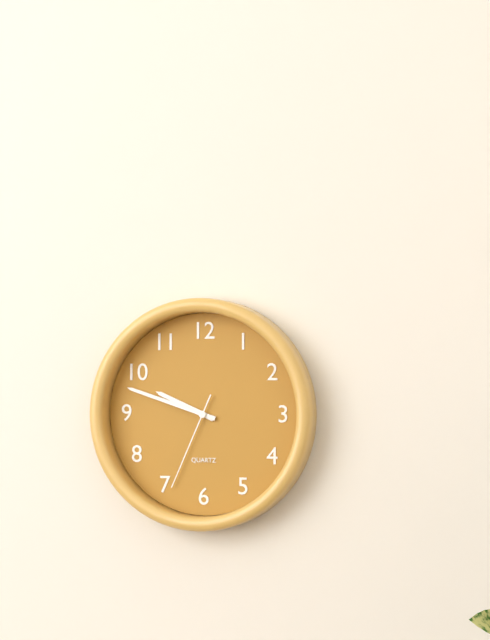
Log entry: 9:48:34
